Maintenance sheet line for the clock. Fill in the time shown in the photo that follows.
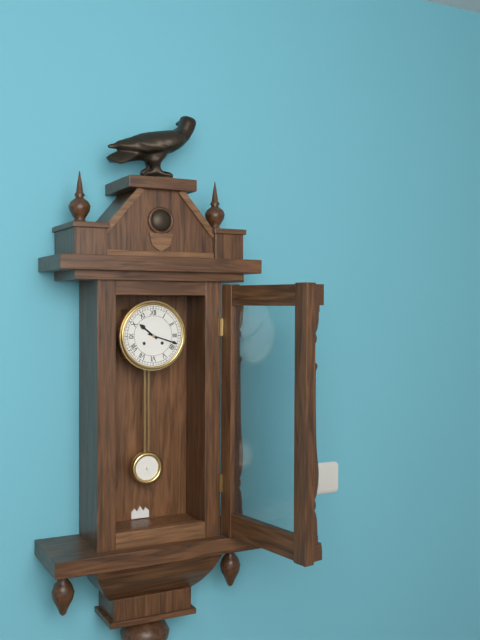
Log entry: 10:18
